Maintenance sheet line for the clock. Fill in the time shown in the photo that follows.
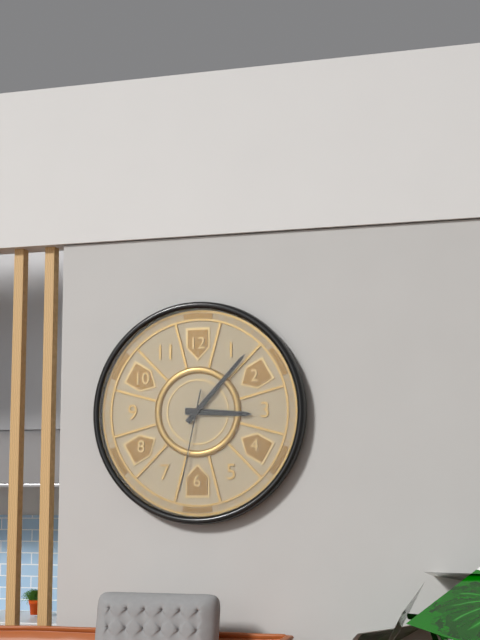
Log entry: 3:07:32
